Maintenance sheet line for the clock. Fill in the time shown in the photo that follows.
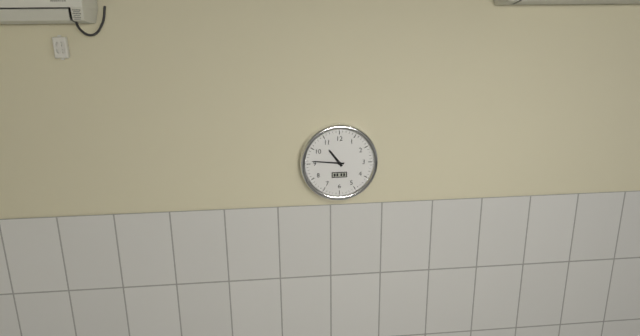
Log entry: 10:46
